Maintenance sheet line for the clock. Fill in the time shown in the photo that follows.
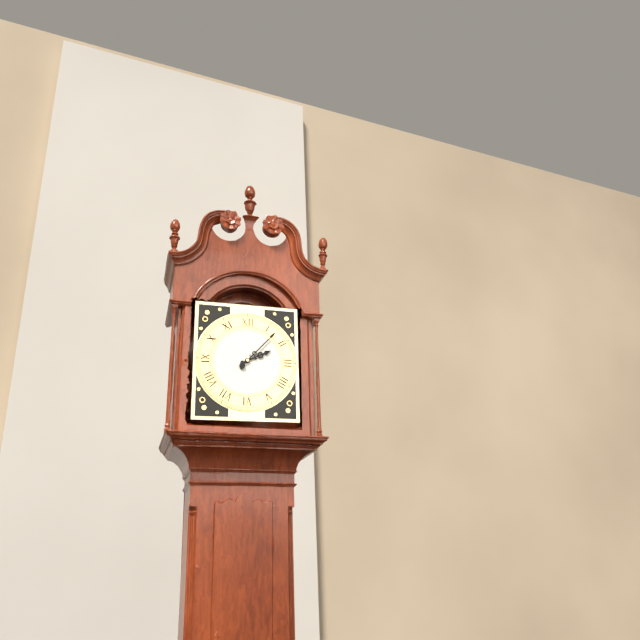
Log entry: 2:07
